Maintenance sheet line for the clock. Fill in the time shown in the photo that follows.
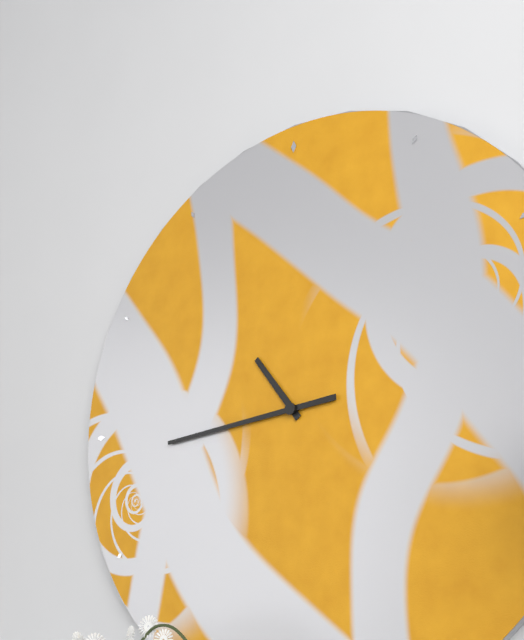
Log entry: 10:44
